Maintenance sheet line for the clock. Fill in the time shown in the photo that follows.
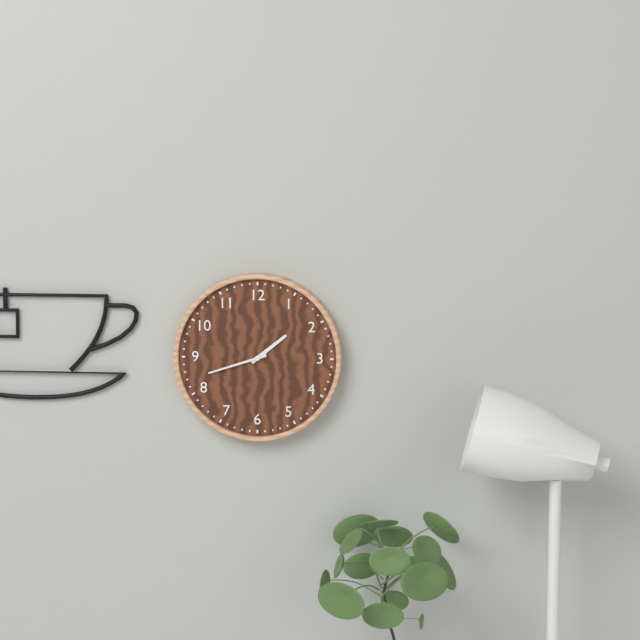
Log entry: 1:42
